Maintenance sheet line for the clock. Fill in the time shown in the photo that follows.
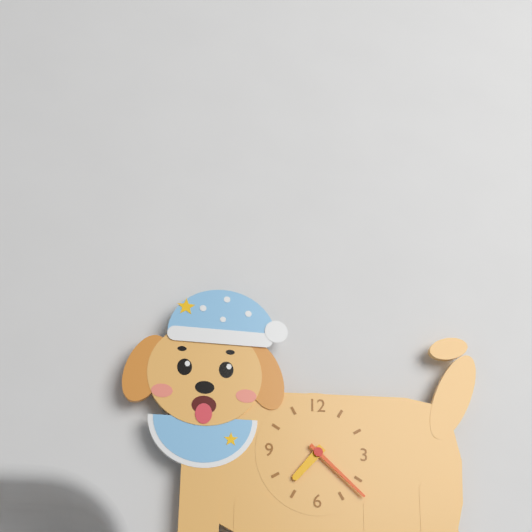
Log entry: 7:22
